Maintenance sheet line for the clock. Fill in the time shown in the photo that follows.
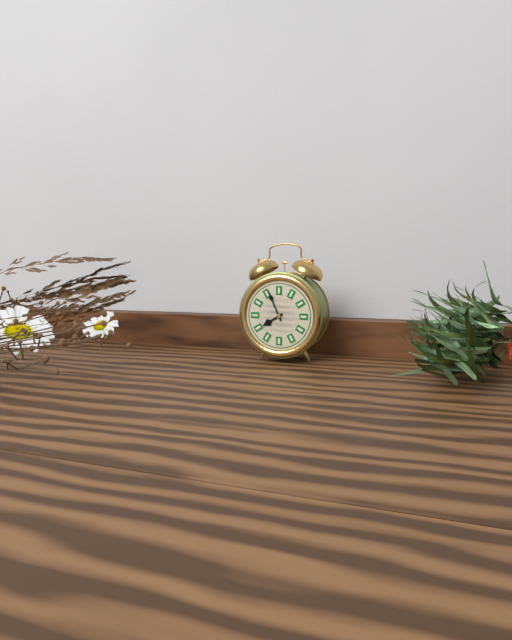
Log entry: 7:56
